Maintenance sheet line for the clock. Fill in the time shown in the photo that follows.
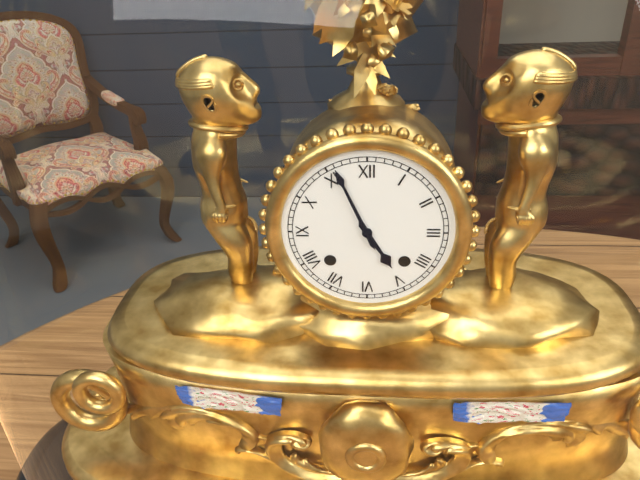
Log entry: 4:56
